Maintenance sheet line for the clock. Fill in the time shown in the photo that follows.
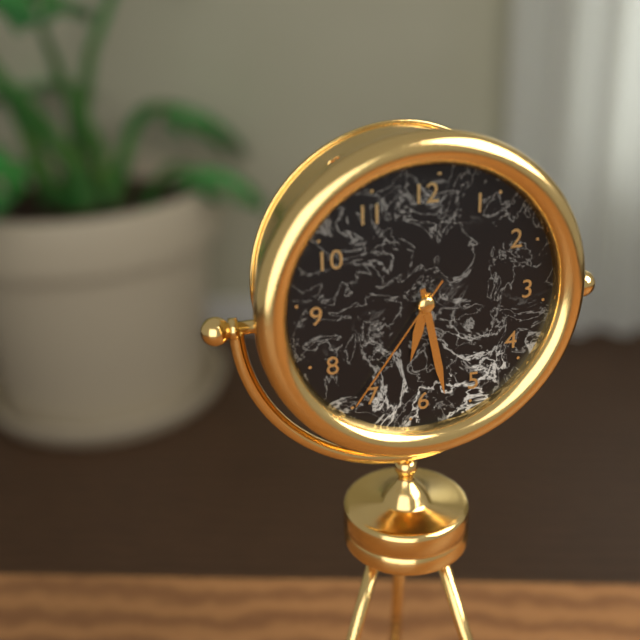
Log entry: 6:28:36
